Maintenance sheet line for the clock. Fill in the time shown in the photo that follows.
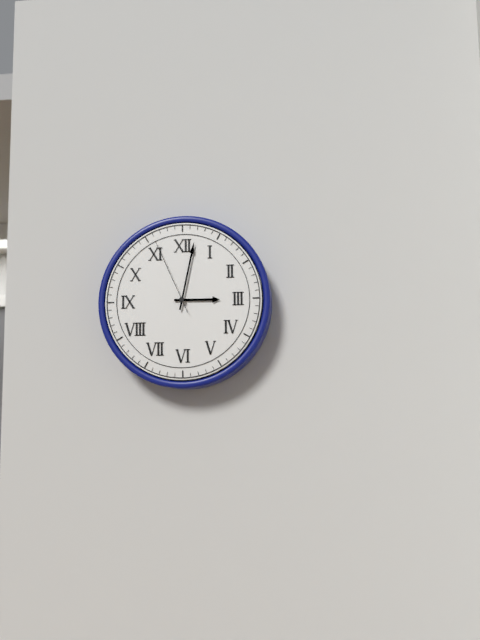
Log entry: 3:02:56
